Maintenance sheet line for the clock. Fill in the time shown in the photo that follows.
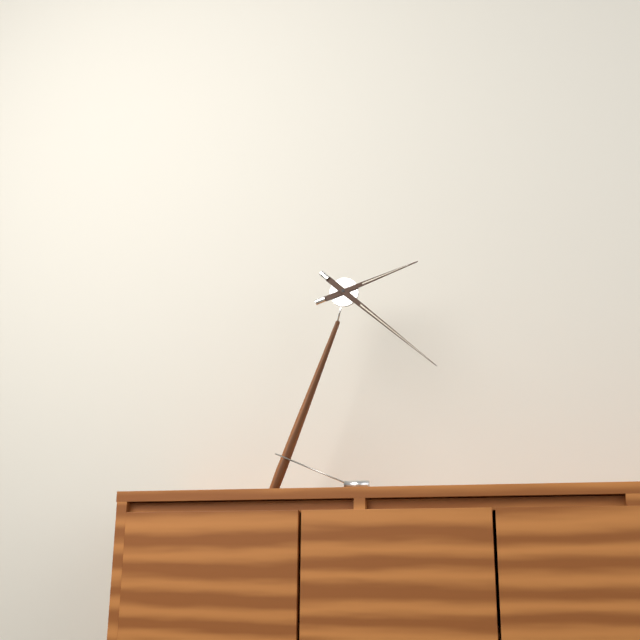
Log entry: 2:22
